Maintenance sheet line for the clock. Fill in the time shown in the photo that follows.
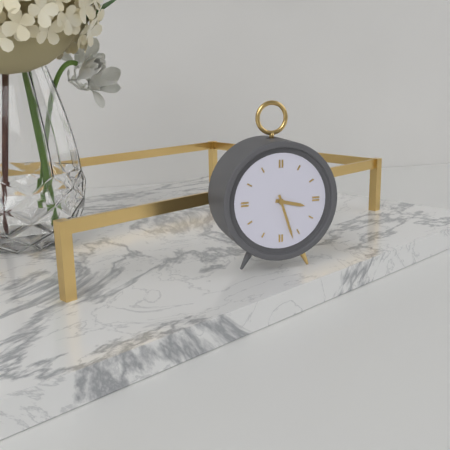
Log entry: 3:27
